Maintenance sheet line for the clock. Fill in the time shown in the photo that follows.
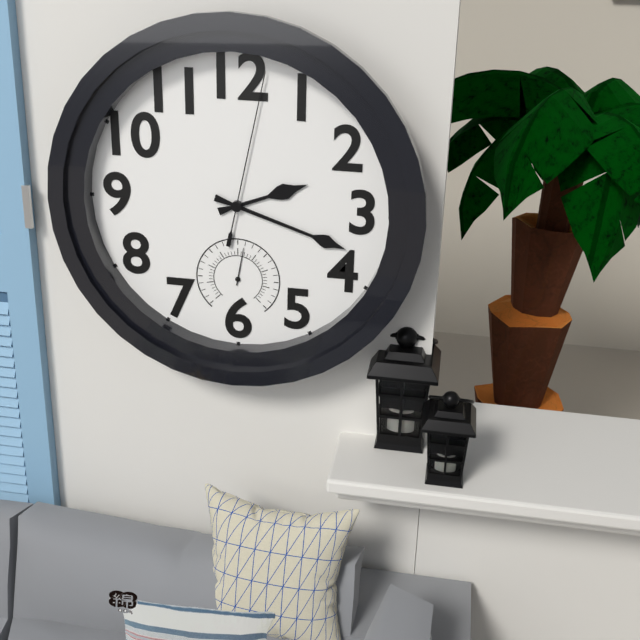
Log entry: 2:18:02
